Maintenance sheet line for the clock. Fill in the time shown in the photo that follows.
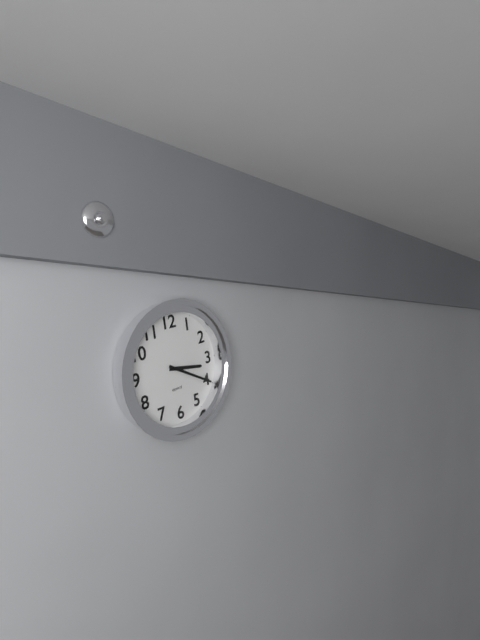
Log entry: 3:20
